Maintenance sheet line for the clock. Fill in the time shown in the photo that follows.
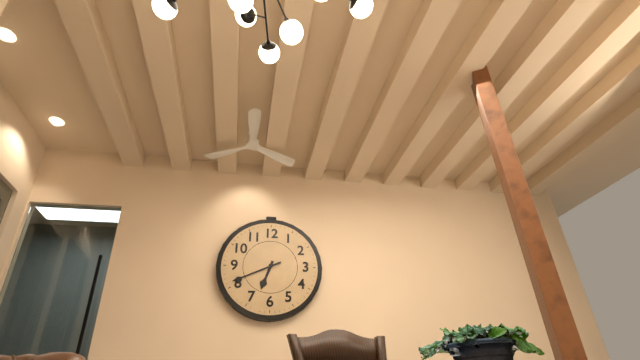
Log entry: 6:41
